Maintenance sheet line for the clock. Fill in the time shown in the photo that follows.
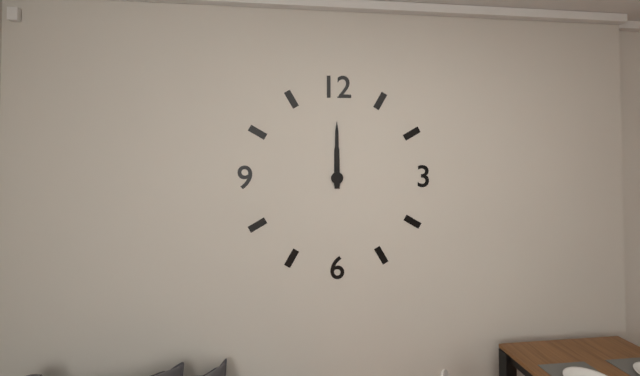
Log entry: 12:00
